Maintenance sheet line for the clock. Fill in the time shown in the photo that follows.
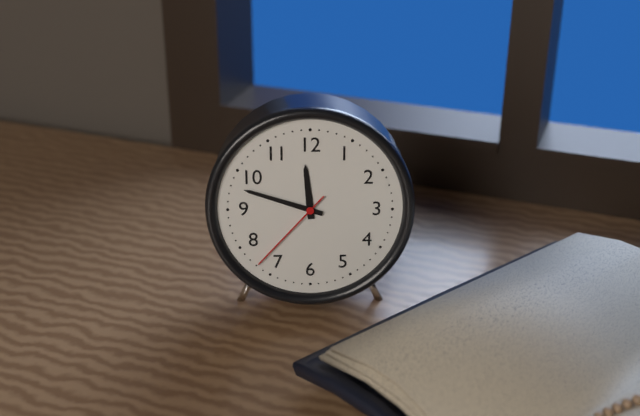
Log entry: 11:48:37
